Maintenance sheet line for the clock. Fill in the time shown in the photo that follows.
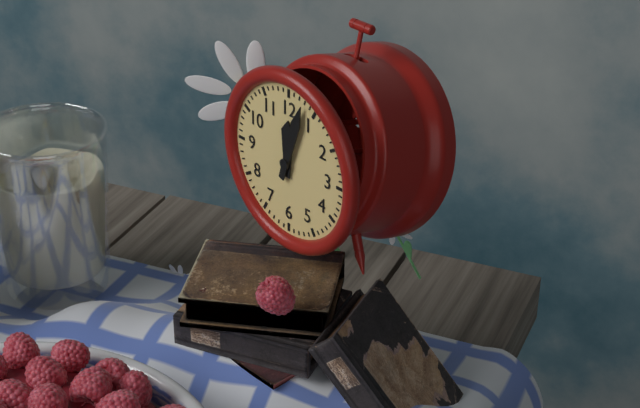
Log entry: 12:03
